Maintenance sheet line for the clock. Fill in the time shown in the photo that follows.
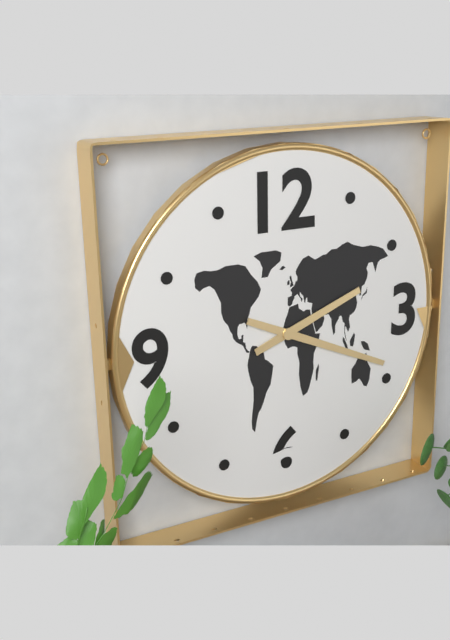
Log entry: 2:19
